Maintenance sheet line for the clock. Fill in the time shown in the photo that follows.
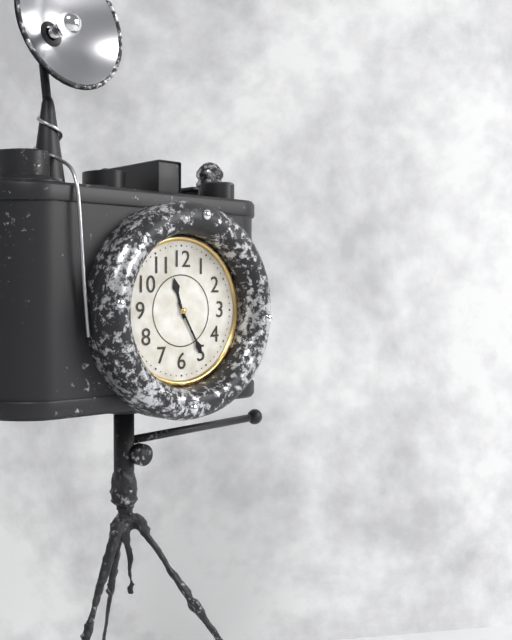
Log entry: 11:25
